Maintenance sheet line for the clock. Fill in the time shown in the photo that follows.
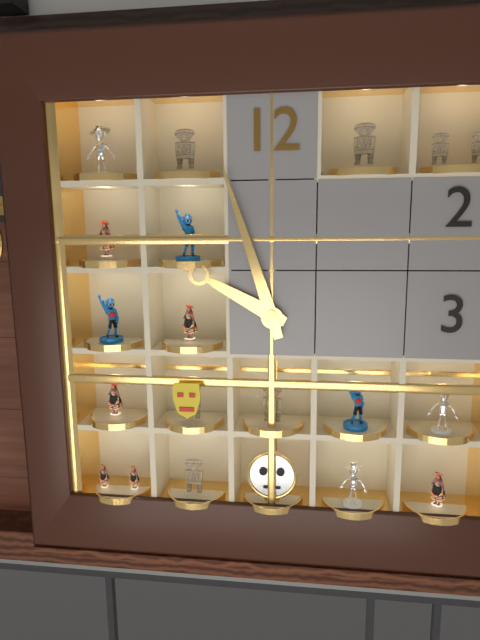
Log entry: 9:57
